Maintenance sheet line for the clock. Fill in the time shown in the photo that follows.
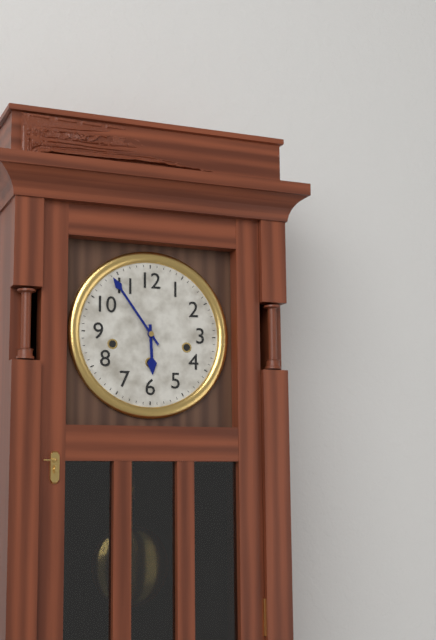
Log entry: 5:54
